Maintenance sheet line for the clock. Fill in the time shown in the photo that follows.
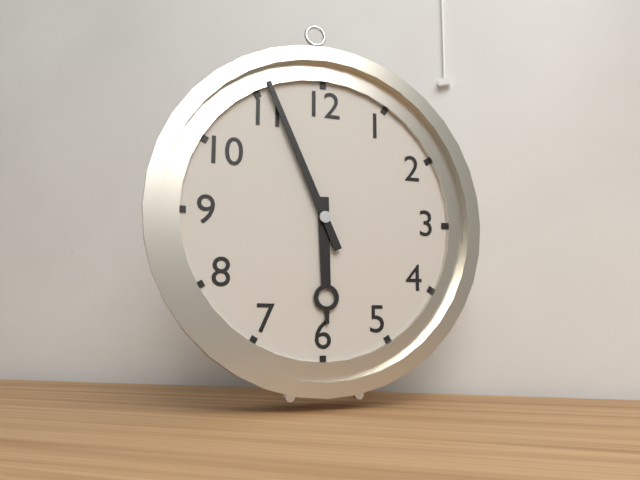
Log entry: 5:56
